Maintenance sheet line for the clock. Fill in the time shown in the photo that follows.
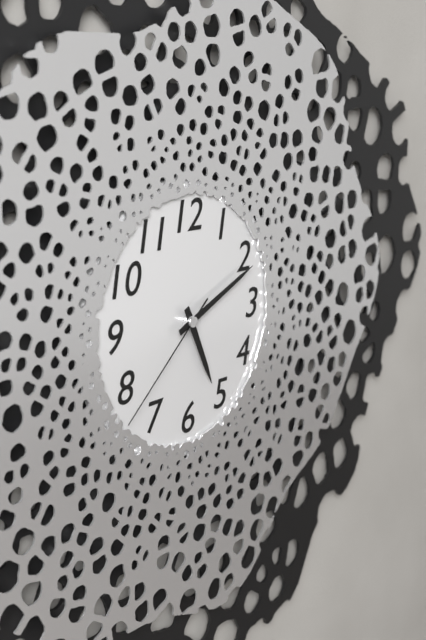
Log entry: 5:11:38
